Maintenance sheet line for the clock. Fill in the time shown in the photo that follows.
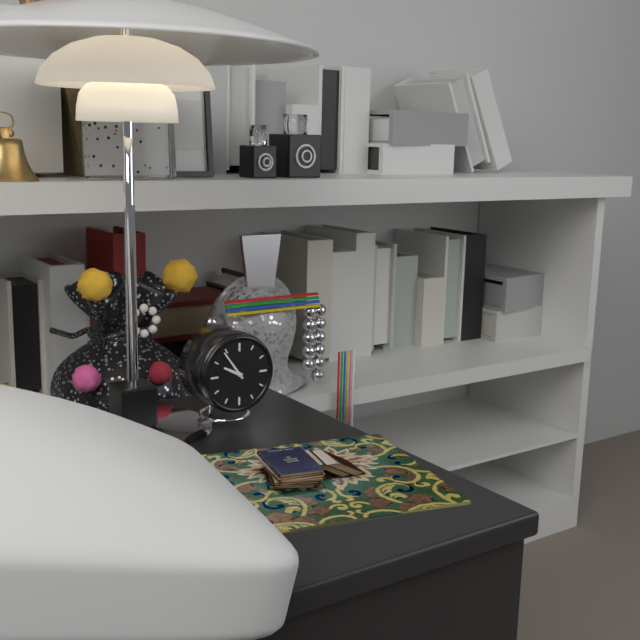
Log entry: 9:54
